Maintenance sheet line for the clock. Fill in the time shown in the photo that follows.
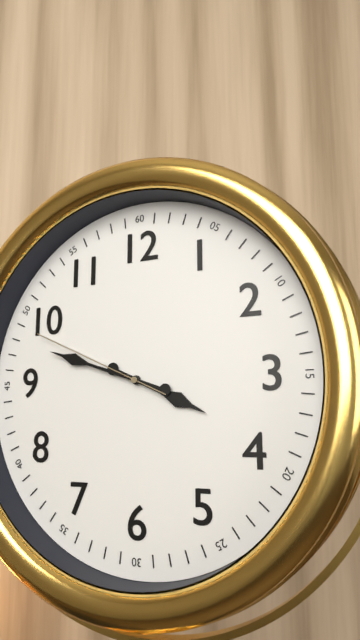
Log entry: 3:48:49
